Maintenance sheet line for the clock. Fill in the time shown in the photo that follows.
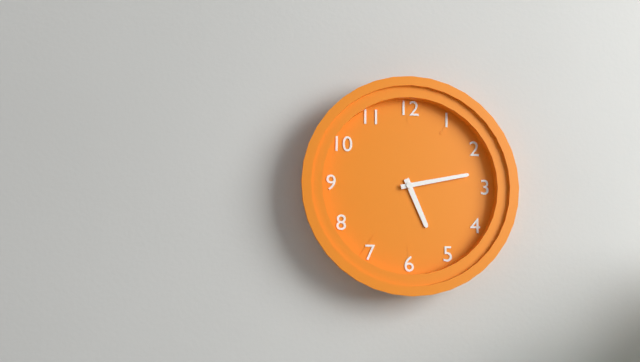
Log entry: 5:13
